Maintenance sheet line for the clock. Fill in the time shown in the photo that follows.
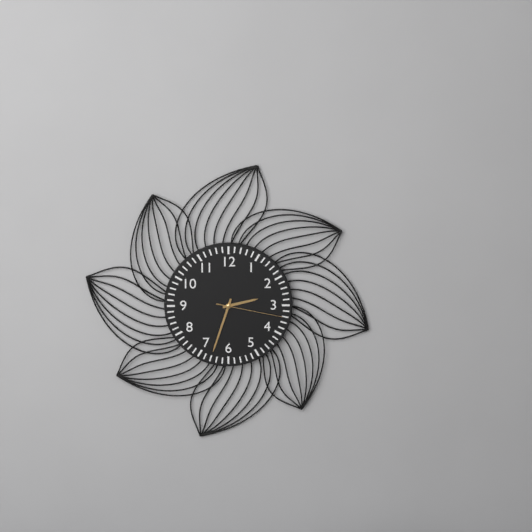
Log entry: 2:33:17
